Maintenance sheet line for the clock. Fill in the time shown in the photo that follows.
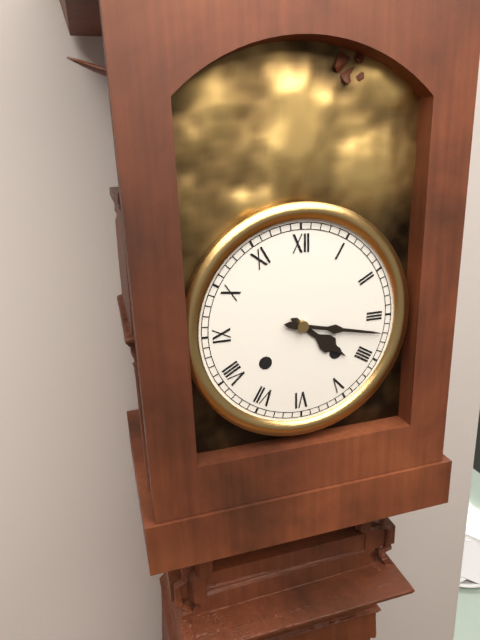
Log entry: 4:17
